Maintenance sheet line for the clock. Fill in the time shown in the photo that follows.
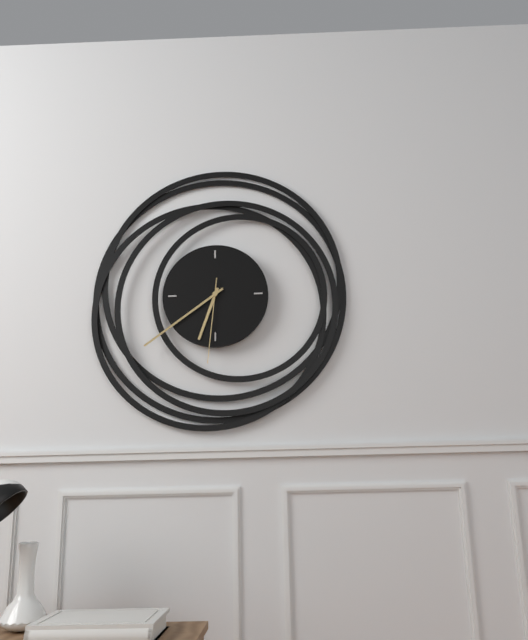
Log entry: 6:39:31
